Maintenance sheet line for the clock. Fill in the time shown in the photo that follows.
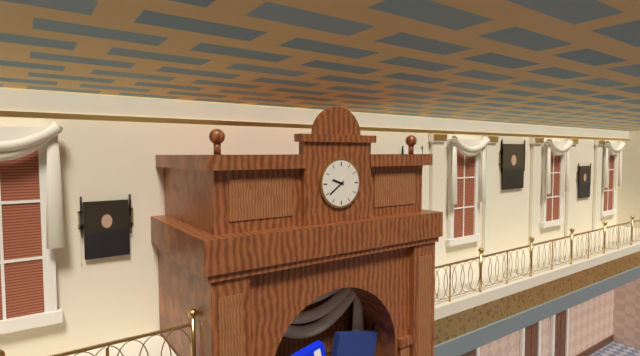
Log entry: 9:39
